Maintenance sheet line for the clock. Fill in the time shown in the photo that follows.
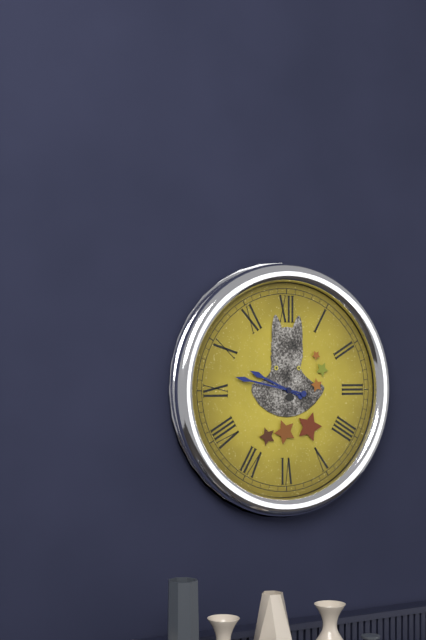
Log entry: 9:47
